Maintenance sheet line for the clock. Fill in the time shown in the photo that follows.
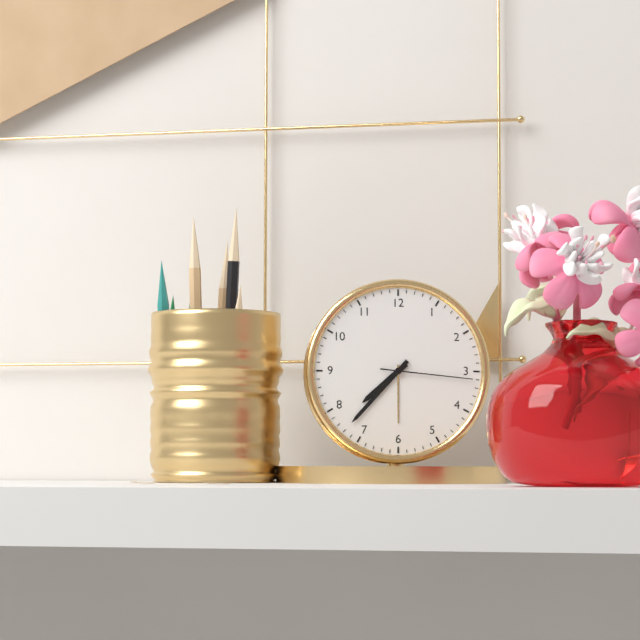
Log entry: 7:37:16
